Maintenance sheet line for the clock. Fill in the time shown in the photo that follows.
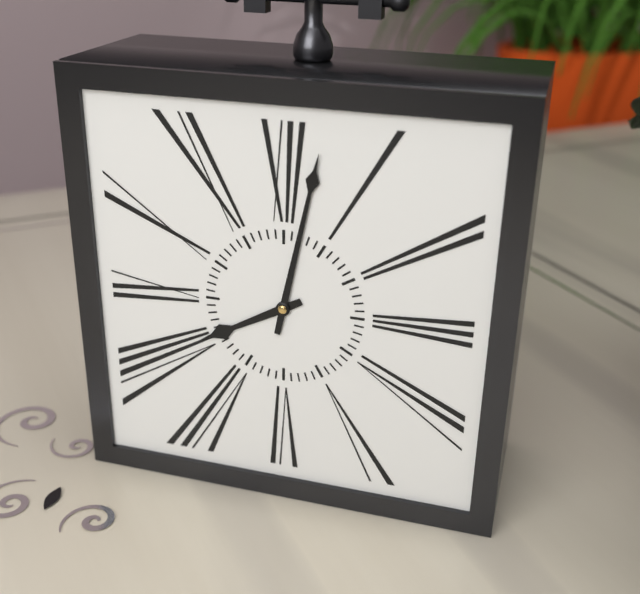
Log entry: 8:02
